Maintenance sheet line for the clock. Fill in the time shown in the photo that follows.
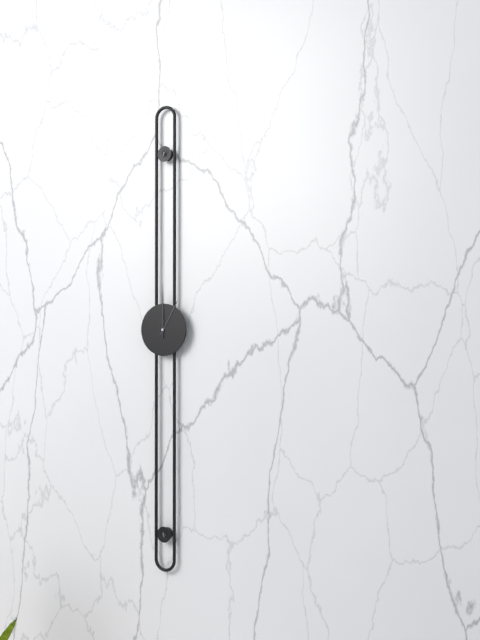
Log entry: 1:00
